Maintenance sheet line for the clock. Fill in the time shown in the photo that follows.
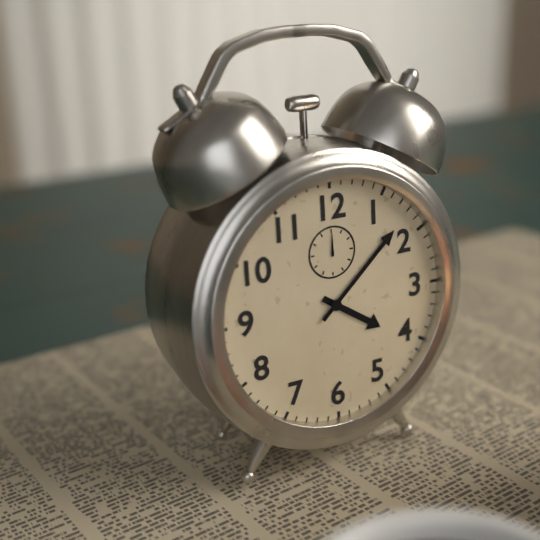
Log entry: 4:08
